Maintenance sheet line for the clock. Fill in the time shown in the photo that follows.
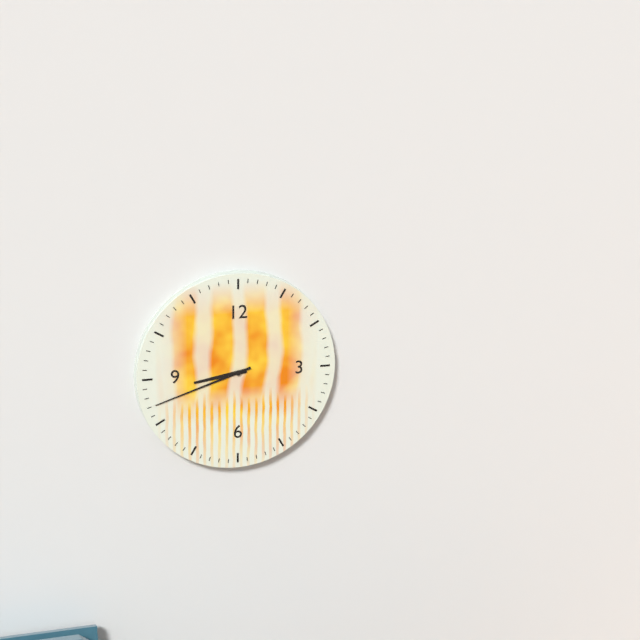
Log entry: 8:42
